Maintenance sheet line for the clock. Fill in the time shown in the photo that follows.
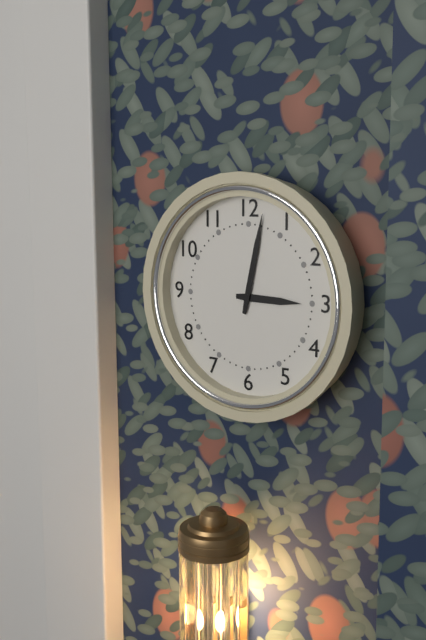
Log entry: 3:02
